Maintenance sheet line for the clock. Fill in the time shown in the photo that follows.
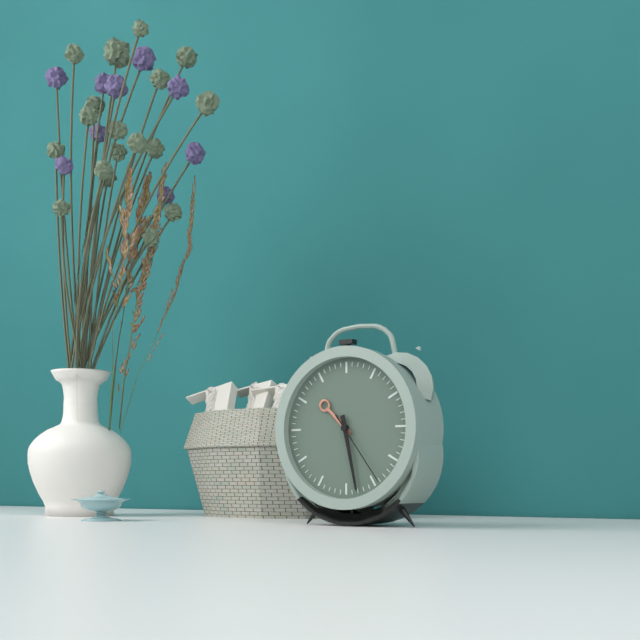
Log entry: 10:28:24
